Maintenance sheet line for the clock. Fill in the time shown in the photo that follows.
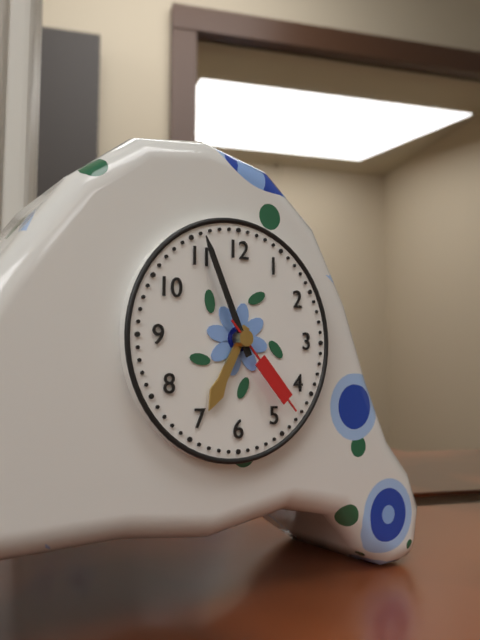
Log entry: 6:56:23
